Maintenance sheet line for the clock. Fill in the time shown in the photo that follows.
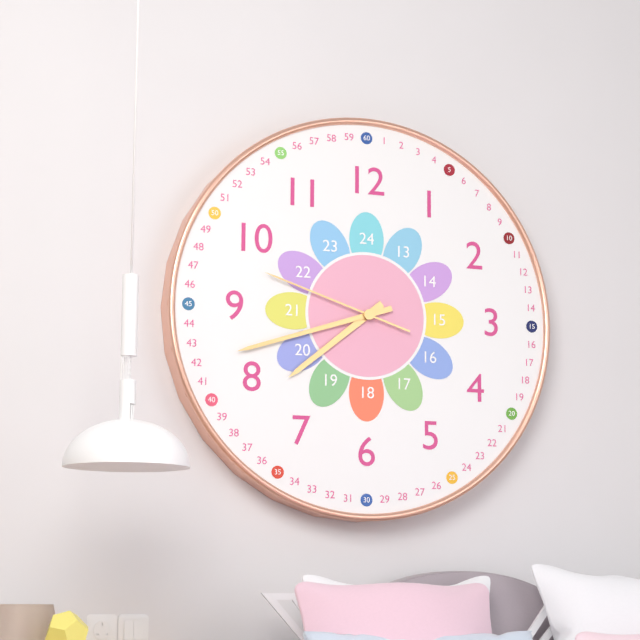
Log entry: 7:42:48
